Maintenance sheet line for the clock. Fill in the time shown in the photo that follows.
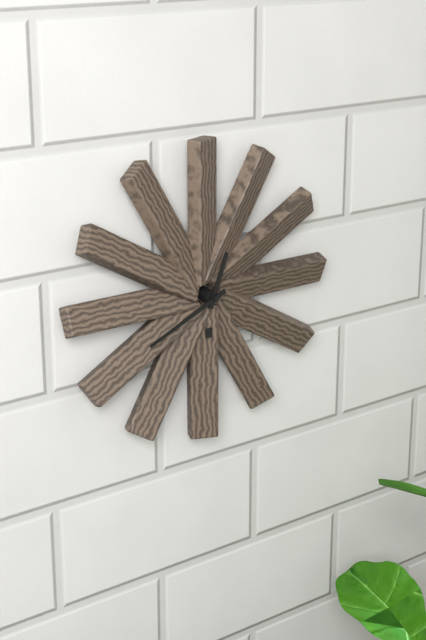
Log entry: 12:41
